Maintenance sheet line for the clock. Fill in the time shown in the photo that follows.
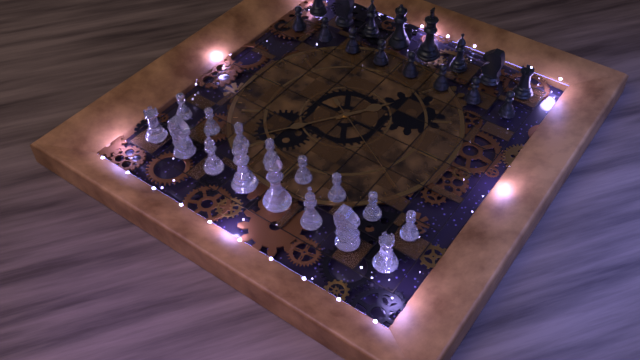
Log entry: 7:06:50
